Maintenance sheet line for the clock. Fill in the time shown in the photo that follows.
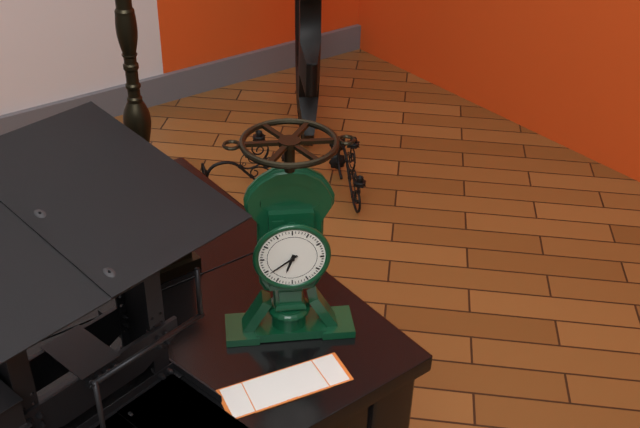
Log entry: 6:39
